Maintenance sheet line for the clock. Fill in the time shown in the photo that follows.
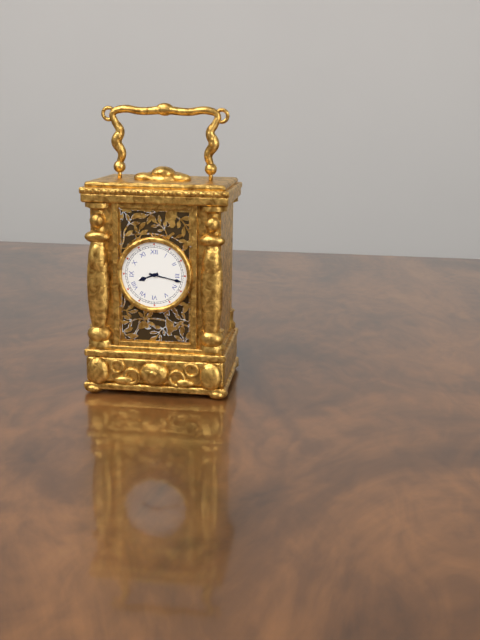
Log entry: 8:17
